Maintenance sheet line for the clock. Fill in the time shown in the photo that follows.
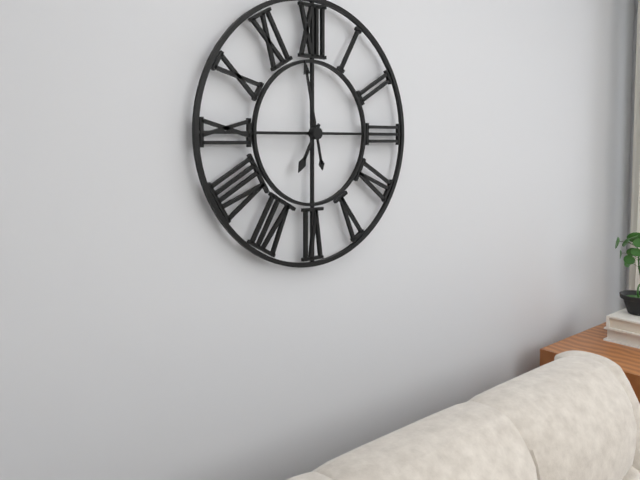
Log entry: 6:58
